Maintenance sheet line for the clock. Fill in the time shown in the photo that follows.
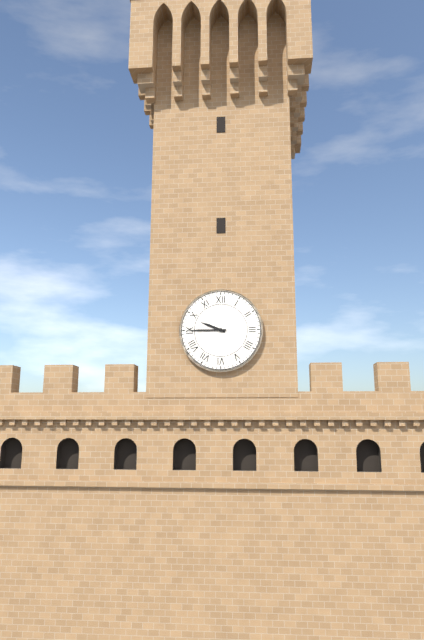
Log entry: 9:45
